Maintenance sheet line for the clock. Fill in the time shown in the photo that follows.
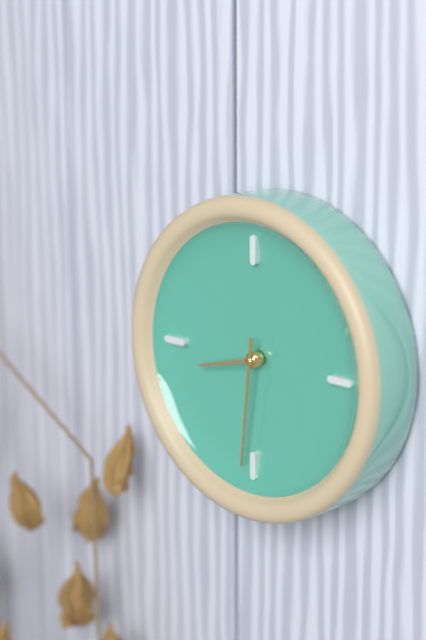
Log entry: 8:31
